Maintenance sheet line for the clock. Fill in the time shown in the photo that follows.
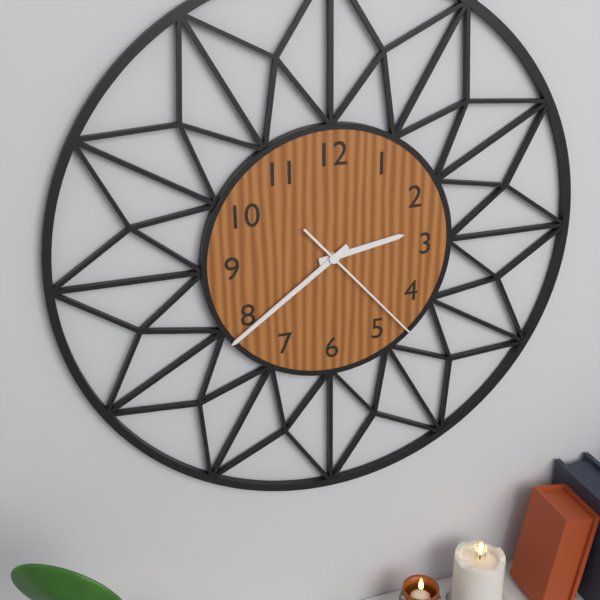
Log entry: 2:39:23
